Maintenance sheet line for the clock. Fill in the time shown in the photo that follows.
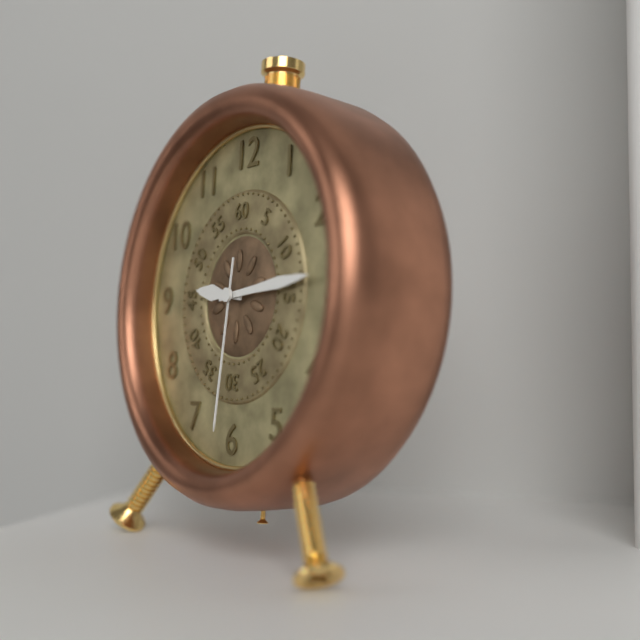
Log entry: 9:14:31
